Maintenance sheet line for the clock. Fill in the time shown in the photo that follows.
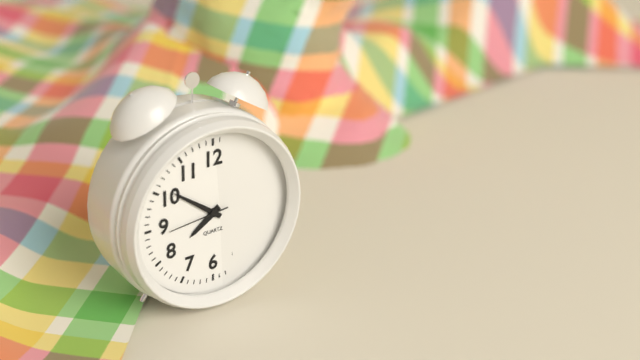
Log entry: 7:51:44
